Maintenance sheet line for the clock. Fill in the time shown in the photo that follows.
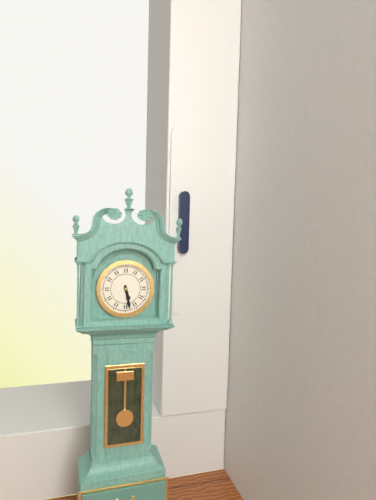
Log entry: 5:28
